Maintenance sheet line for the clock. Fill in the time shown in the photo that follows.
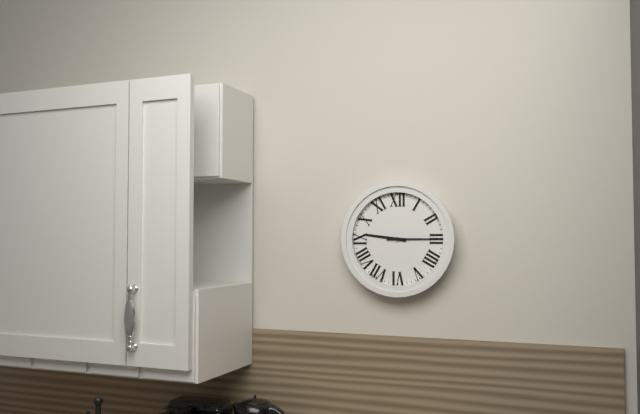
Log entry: 9:15
